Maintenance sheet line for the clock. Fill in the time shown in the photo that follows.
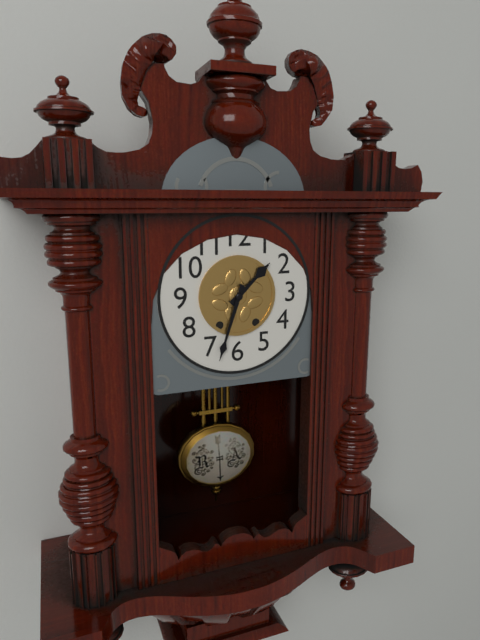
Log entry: 1:33
